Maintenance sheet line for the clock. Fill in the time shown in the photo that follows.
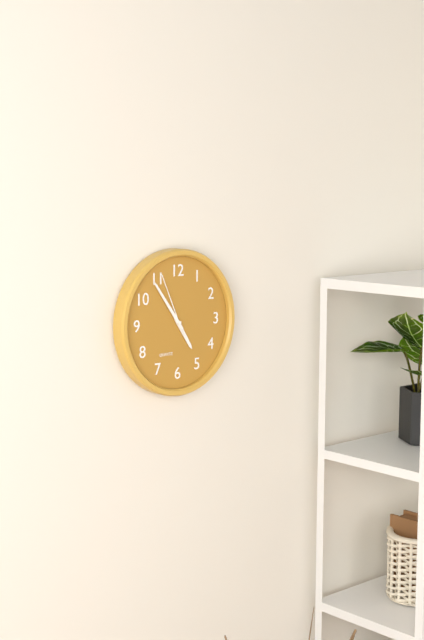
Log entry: 4:54:56
